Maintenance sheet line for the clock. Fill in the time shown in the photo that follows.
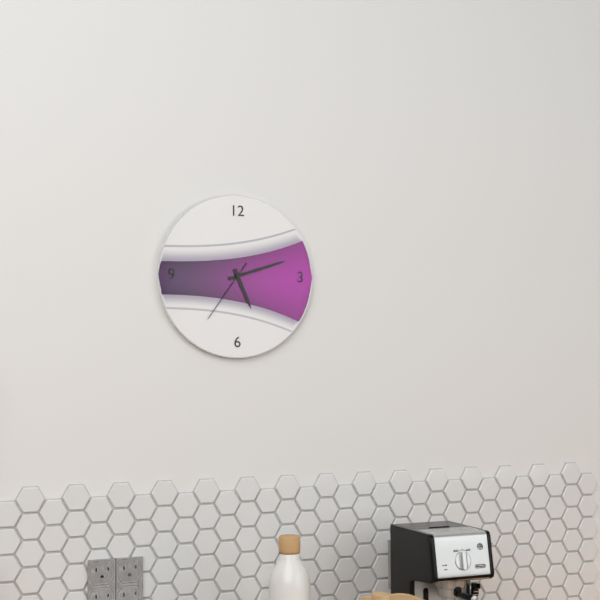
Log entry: 5:12:36
